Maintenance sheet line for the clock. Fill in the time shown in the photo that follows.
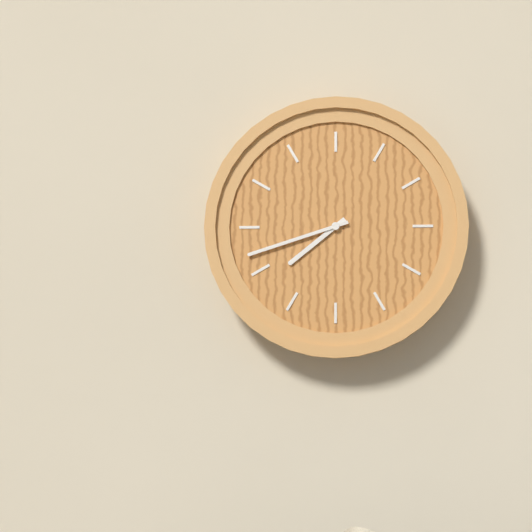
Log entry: 7:42
